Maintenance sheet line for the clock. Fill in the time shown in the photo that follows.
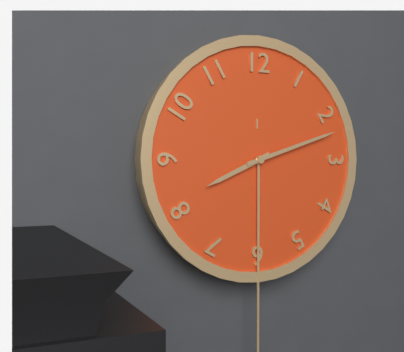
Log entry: 8:12
